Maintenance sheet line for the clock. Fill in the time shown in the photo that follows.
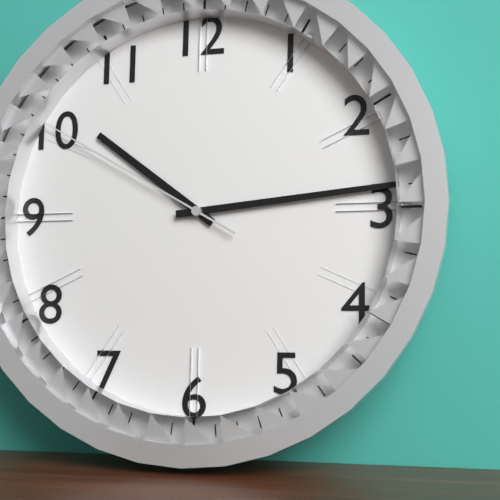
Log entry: 10:14:50
